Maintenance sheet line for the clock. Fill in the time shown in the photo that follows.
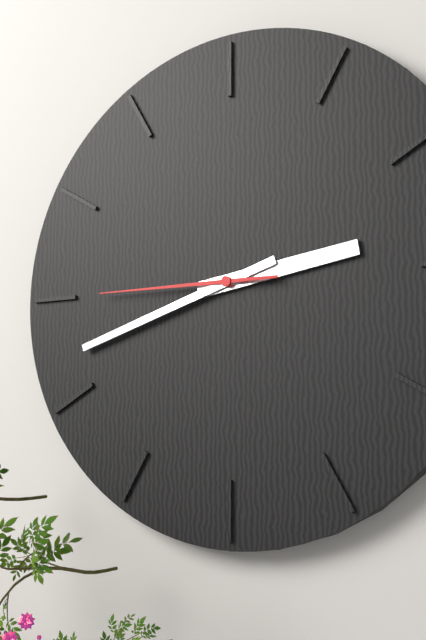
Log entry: 2:42:45
